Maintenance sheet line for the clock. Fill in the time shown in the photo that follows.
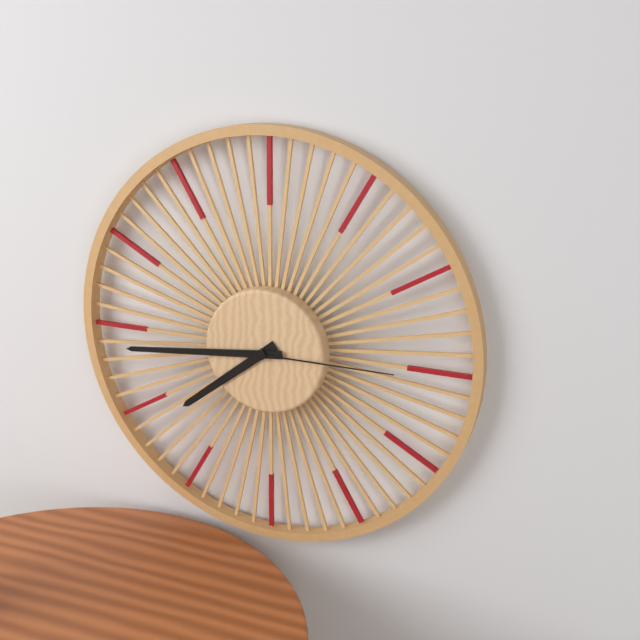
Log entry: 7:44:15
